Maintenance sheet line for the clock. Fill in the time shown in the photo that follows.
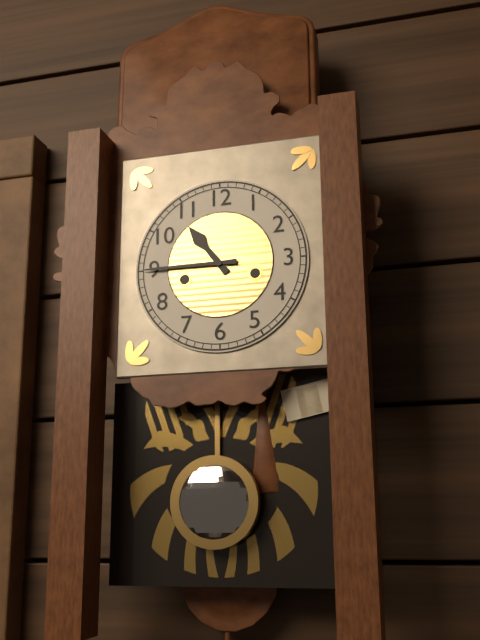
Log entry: 10:45
